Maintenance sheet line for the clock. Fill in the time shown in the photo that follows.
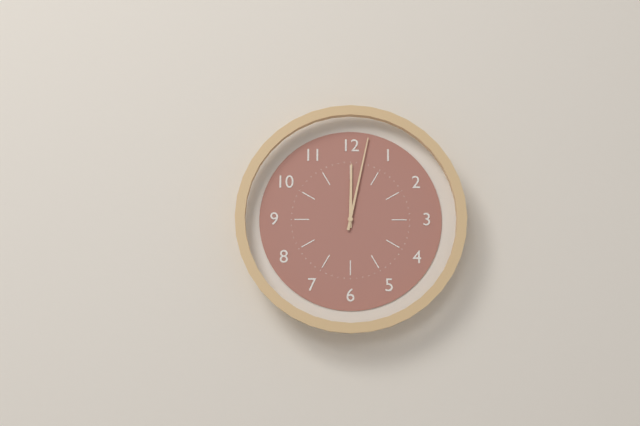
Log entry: 12:02
